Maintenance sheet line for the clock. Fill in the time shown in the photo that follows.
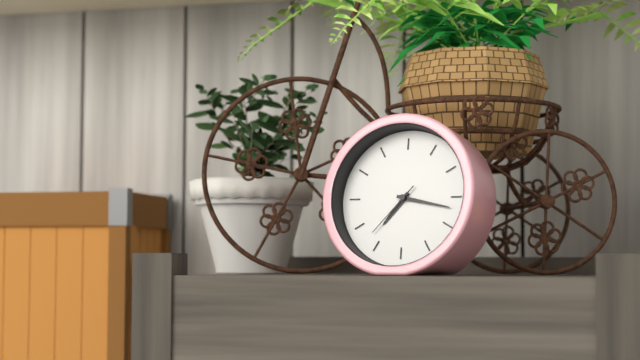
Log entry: 7:17:37
